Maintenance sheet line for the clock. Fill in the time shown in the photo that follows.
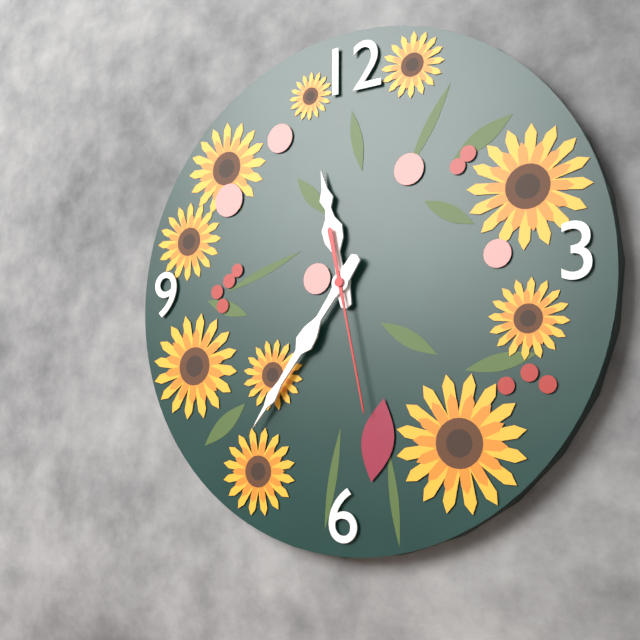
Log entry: 11:36:28
